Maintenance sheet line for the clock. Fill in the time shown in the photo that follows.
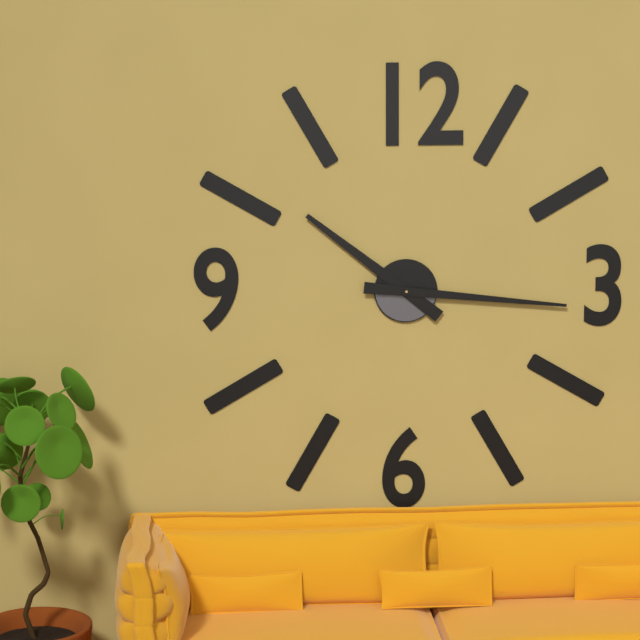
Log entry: 10:16
